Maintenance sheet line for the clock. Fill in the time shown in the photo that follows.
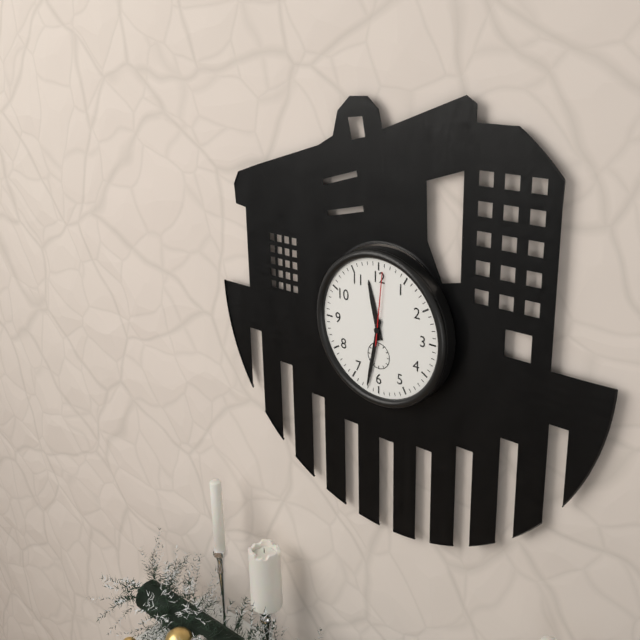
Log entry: 11:32:01
